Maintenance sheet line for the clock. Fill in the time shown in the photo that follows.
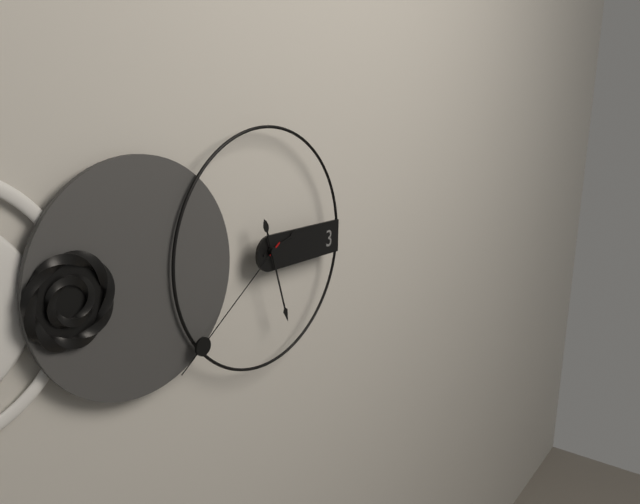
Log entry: 2:27:39
